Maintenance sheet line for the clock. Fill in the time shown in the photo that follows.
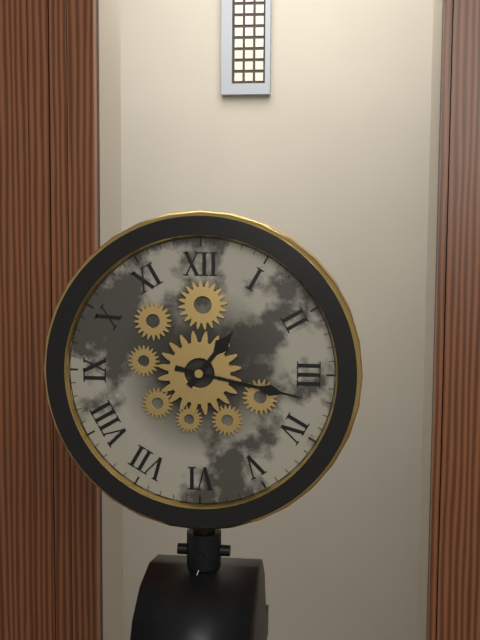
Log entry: 1:17
